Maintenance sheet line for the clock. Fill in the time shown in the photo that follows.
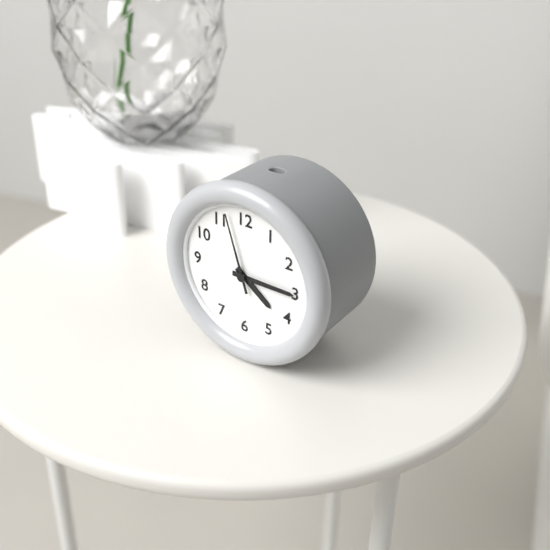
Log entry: 4:15:57
